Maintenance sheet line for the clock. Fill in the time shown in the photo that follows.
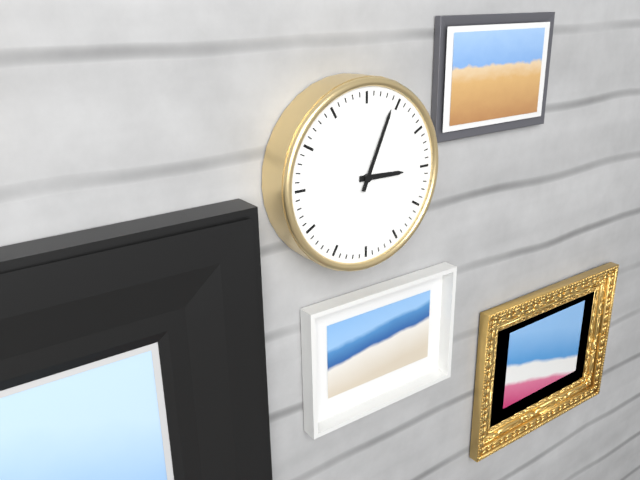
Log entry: 3:04
